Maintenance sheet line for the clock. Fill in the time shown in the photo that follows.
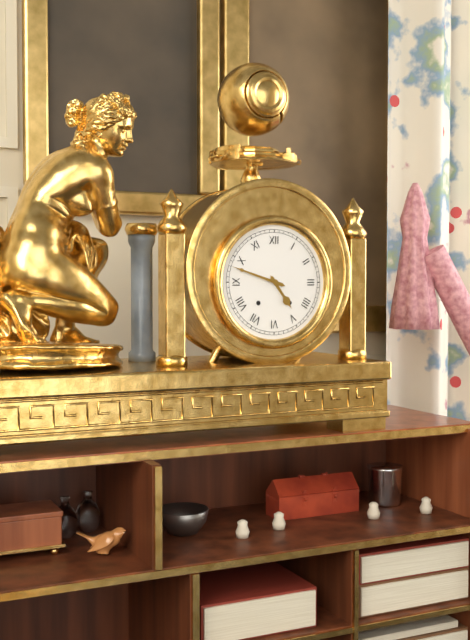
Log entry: 4:48
